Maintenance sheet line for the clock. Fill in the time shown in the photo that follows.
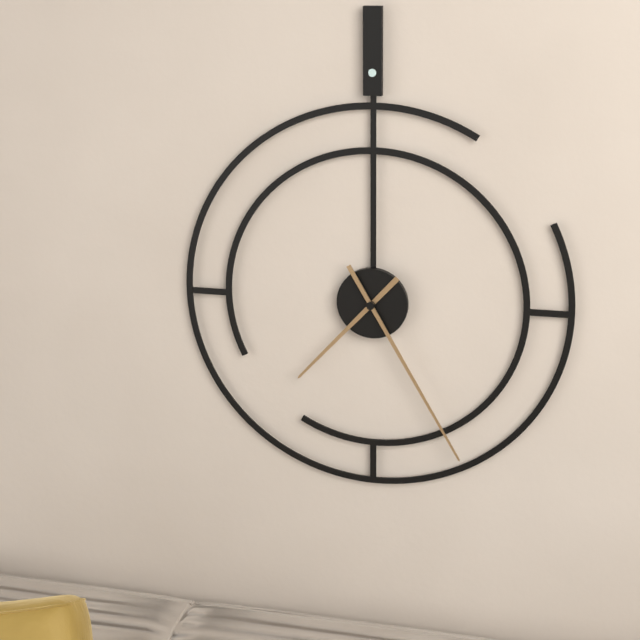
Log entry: 7:25
